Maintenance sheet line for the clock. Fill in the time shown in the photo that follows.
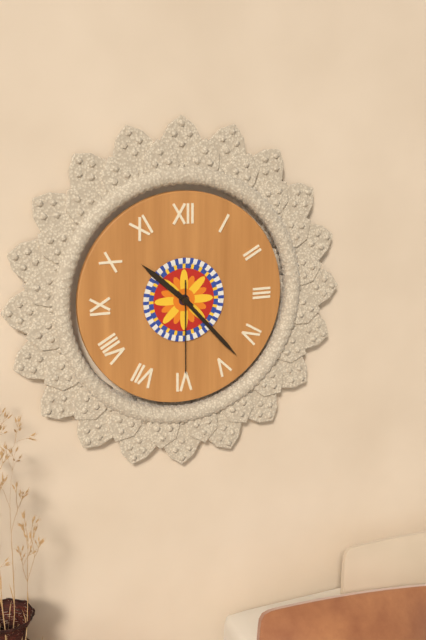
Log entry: 10:23:30
